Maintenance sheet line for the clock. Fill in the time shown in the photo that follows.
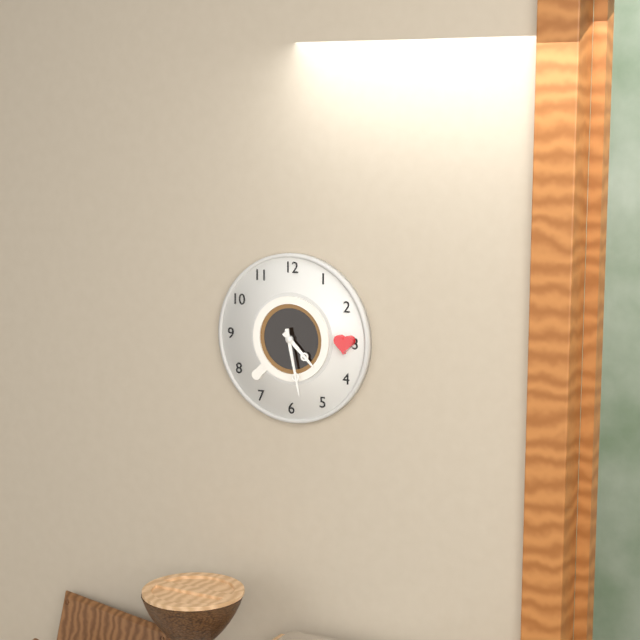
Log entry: 4:28
